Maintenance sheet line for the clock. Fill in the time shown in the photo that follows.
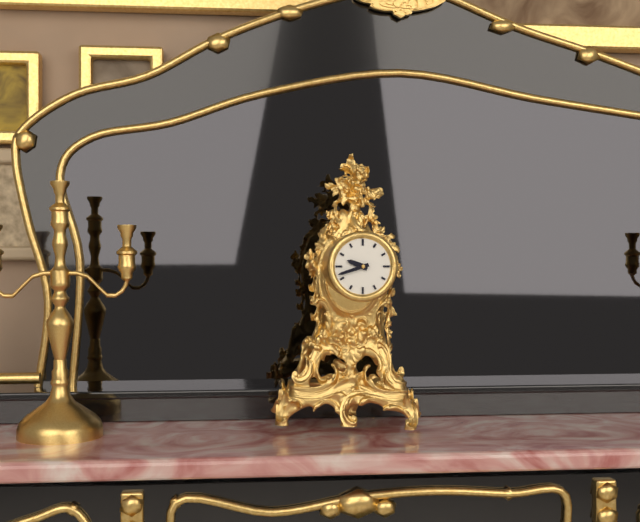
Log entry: 9:42
